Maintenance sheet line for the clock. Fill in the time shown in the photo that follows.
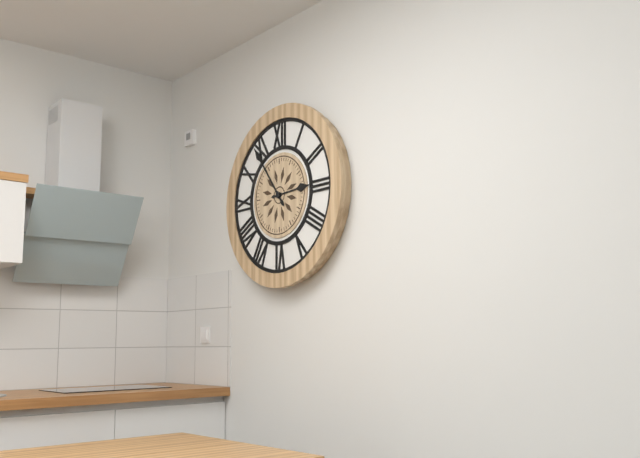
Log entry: 2:54
